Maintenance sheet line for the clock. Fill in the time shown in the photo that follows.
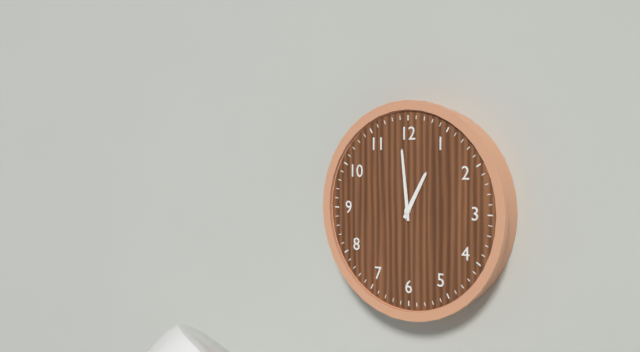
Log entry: 12:59
